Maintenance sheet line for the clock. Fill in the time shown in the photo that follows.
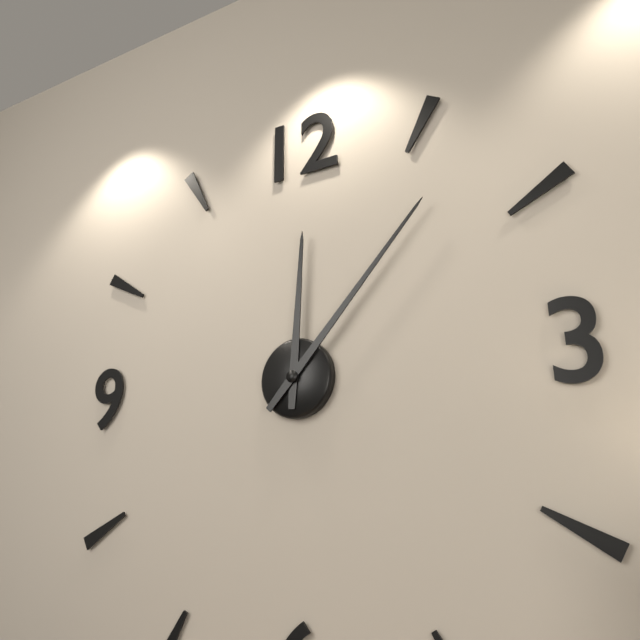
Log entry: 12:07
